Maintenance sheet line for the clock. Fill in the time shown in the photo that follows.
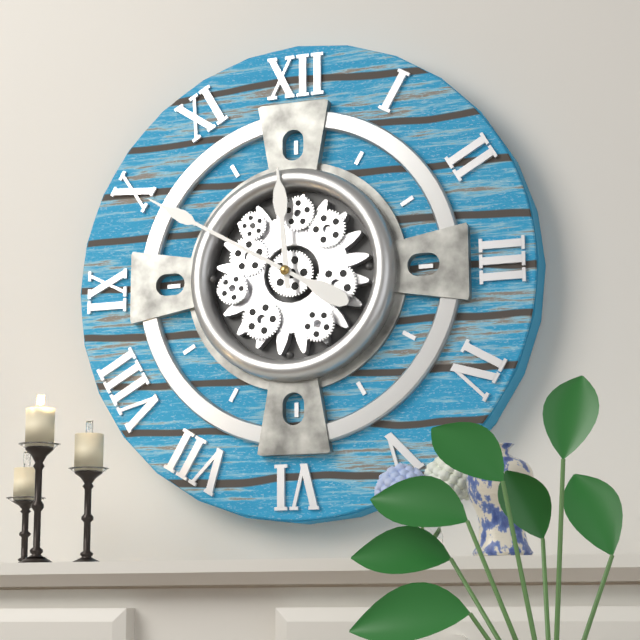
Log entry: 11:50
